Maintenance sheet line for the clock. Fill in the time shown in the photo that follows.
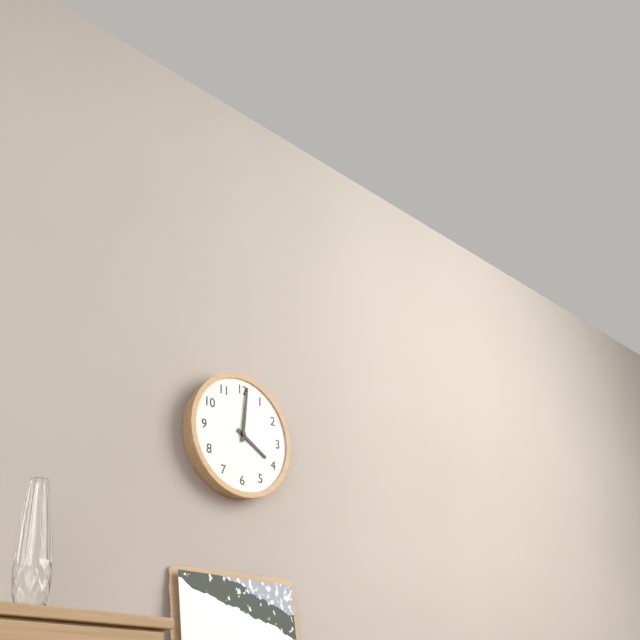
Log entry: 4:01
